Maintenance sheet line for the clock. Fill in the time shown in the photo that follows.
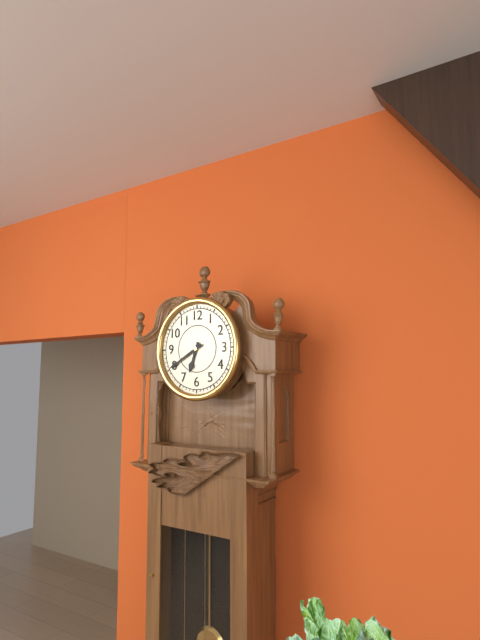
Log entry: 6:40
